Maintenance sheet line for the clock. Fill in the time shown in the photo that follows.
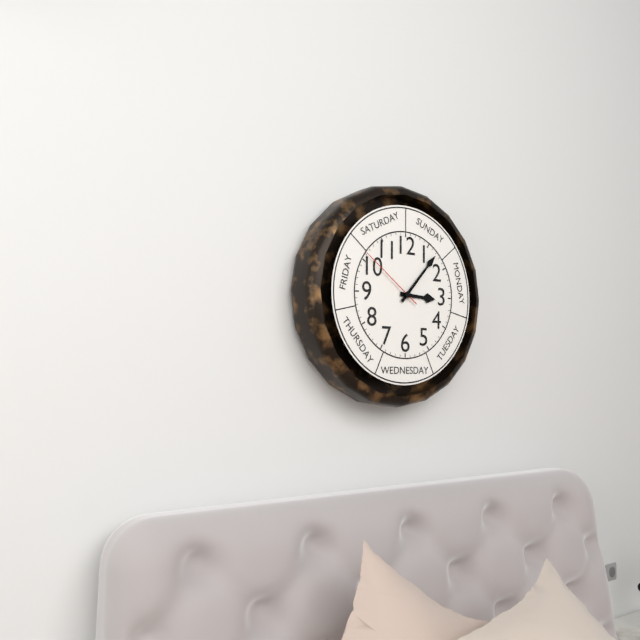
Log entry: 3:07:51
